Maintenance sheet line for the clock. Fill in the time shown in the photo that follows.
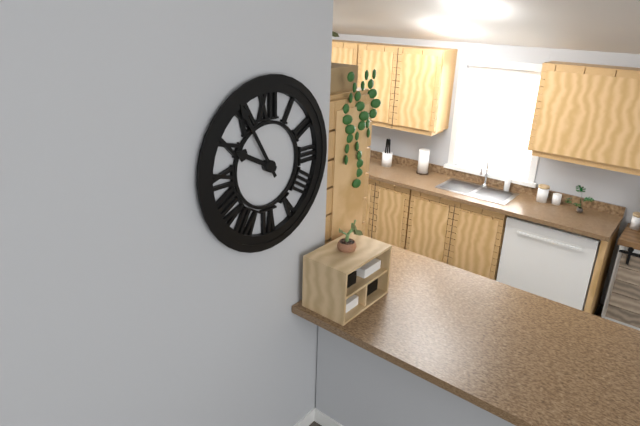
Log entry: 9:55
